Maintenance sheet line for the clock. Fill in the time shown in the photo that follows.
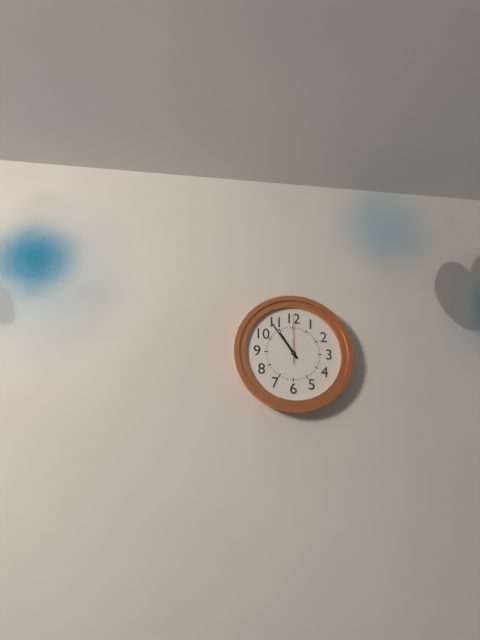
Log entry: 10:54
